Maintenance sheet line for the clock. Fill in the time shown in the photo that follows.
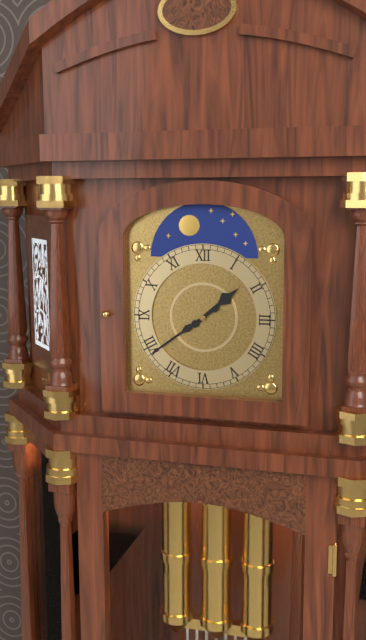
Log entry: 1:39
